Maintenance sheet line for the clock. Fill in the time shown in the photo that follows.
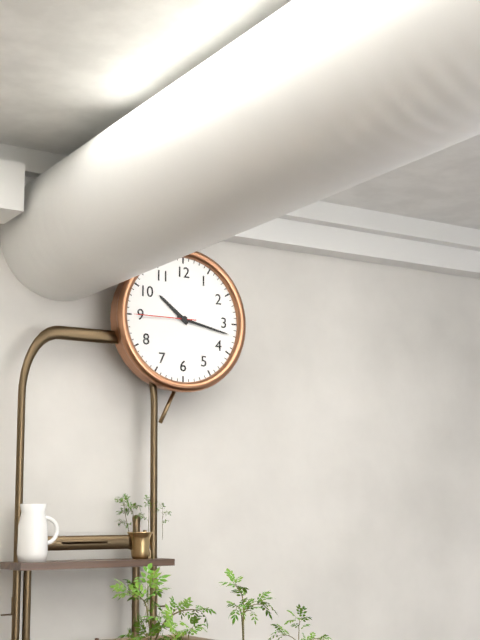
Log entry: 10:17:45
